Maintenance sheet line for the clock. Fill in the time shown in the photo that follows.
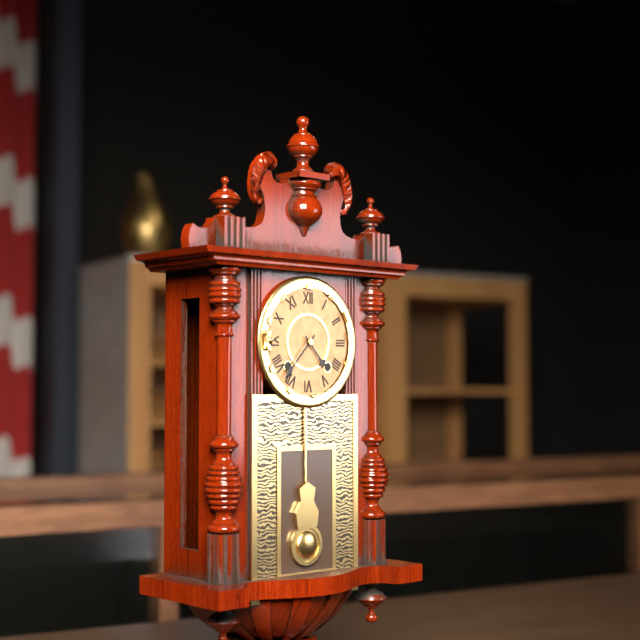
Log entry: 4:37
